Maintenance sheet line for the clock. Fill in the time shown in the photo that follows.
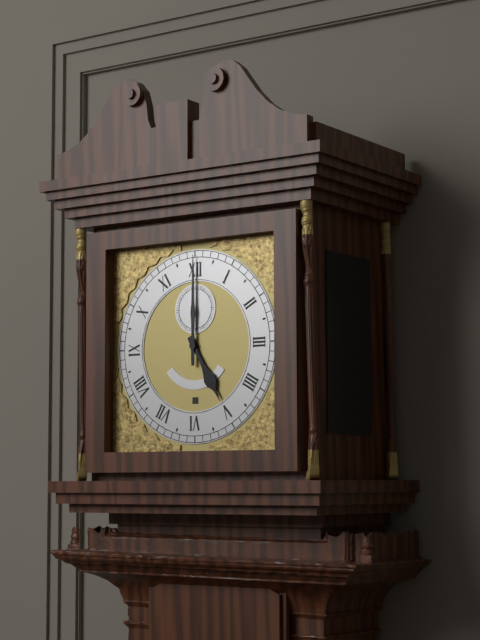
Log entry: 5:00
